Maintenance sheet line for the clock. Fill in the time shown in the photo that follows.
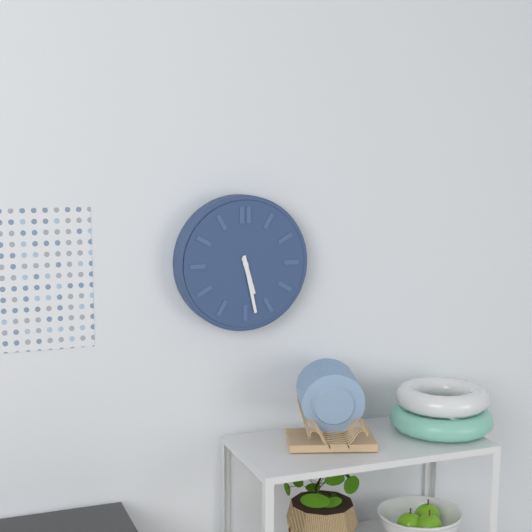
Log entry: 5:28
